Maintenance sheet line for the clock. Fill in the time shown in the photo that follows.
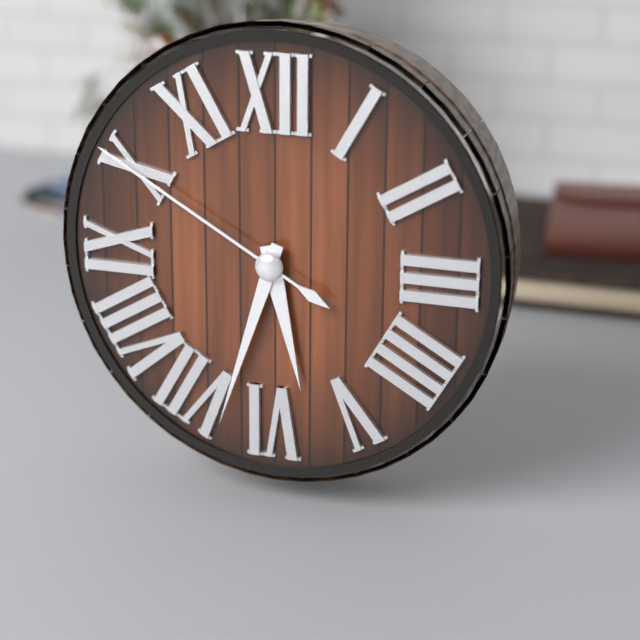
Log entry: 5:33:50
